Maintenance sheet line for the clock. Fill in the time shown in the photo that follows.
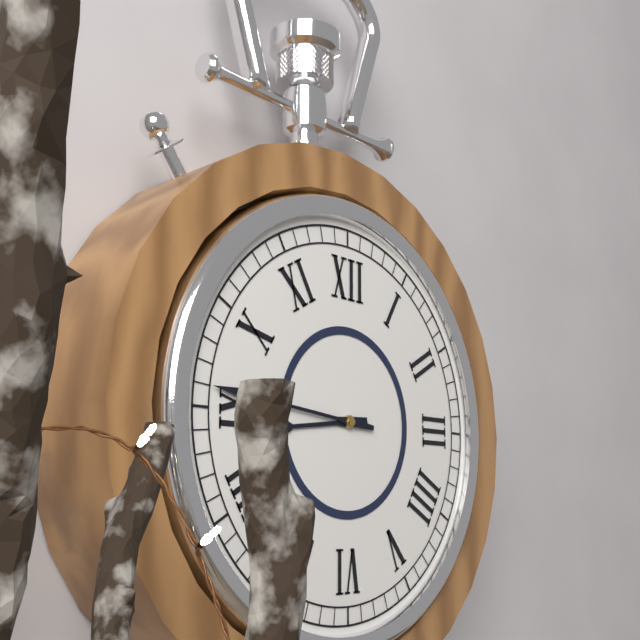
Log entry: 8:46
